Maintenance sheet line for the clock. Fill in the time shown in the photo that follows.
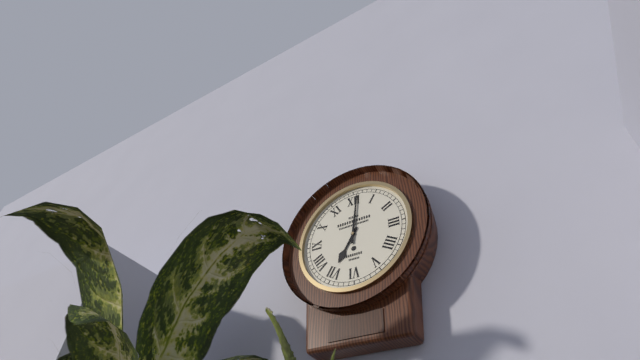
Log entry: 7:01
